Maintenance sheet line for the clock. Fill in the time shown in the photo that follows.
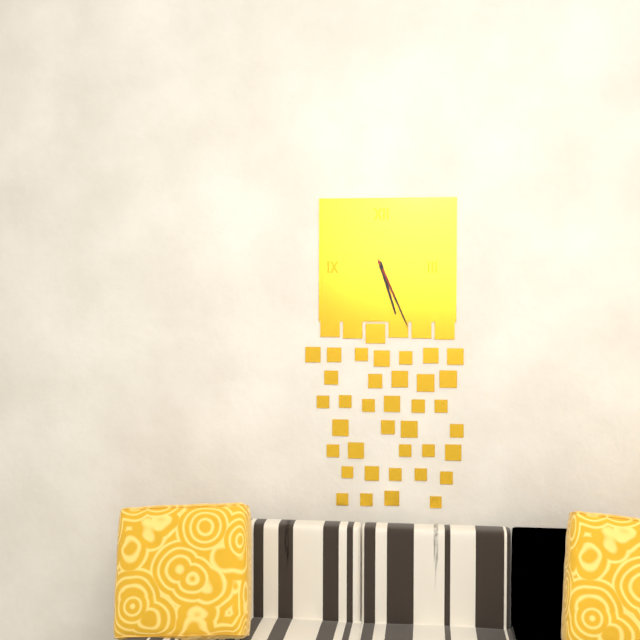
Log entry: 5:26
